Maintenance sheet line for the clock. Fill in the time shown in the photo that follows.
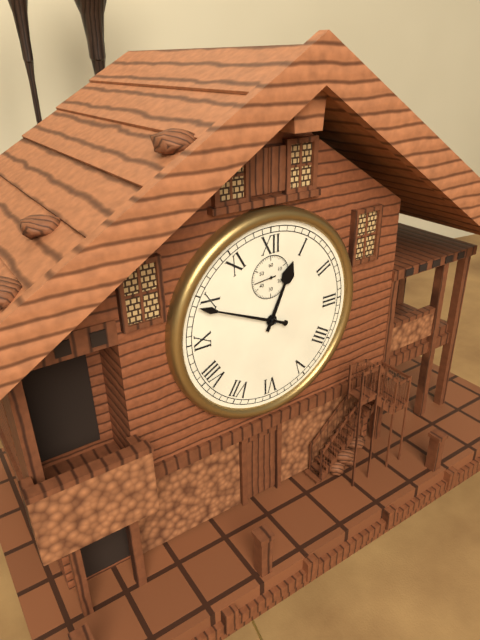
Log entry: 12:49
